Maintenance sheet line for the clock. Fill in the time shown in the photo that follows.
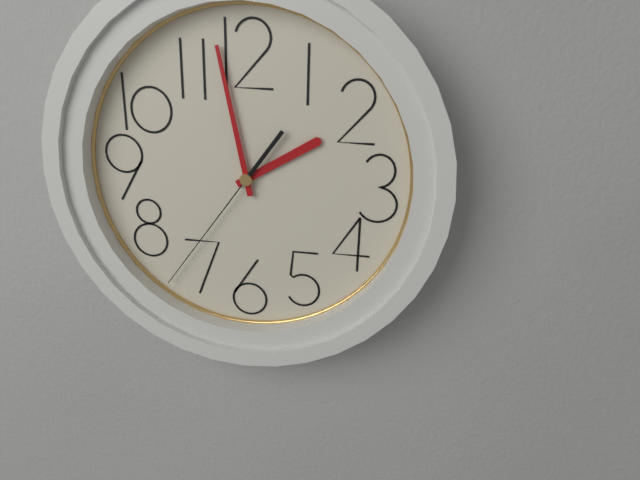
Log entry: 1:58:36
